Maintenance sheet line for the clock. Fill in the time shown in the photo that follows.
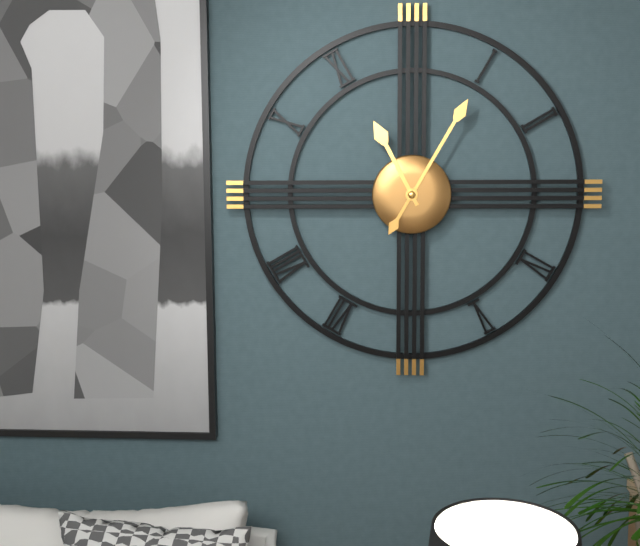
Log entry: 11:05
